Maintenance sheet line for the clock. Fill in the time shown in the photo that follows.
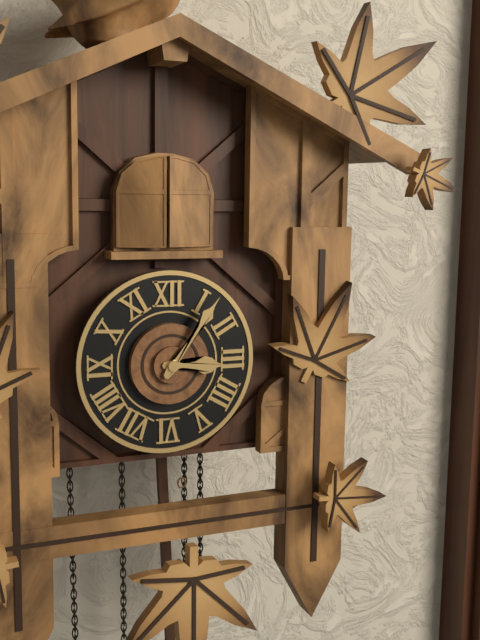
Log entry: 3:06
